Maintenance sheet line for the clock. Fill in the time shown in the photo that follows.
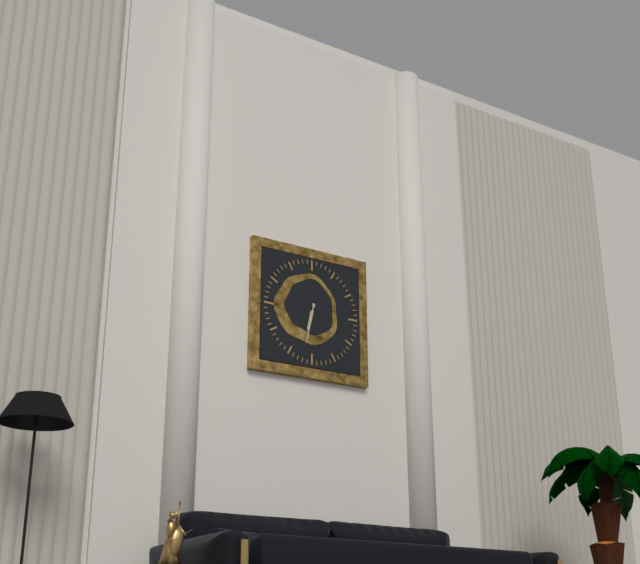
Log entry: 6:32
